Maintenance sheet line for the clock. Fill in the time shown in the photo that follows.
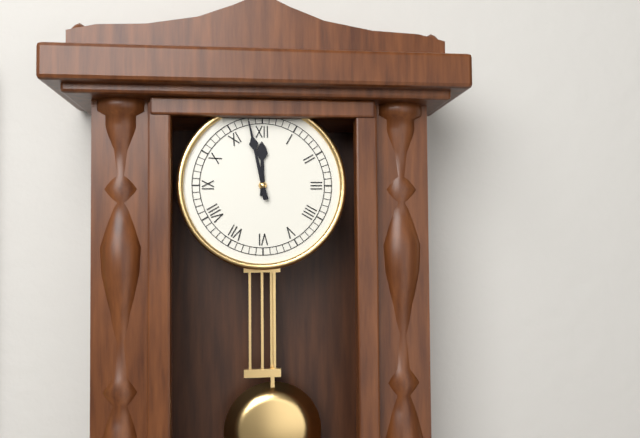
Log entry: 11:58
